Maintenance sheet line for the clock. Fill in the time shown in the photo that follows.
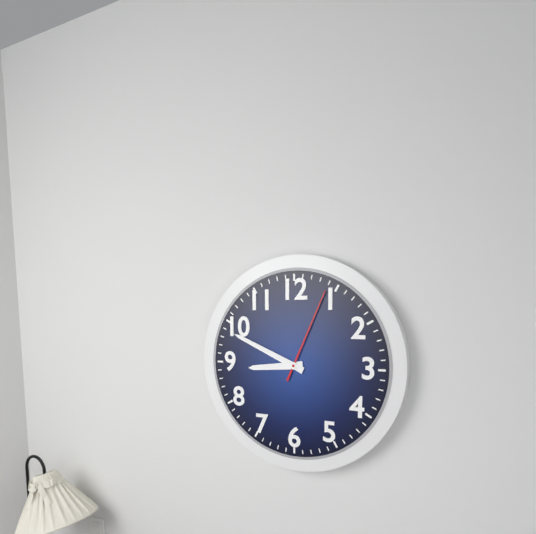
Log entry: 8:49:04
